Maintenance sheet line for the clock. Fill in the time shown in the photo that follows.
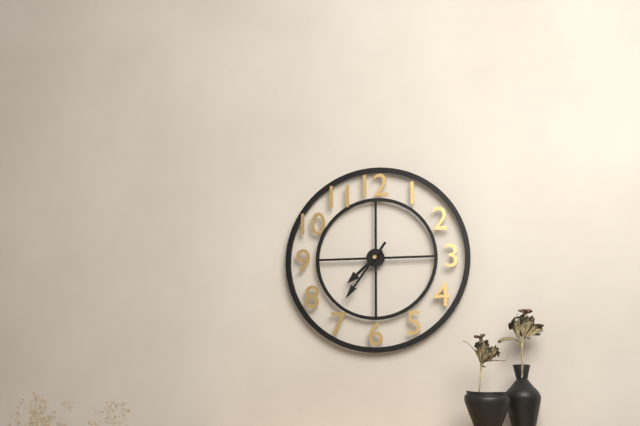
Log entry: 7:36
